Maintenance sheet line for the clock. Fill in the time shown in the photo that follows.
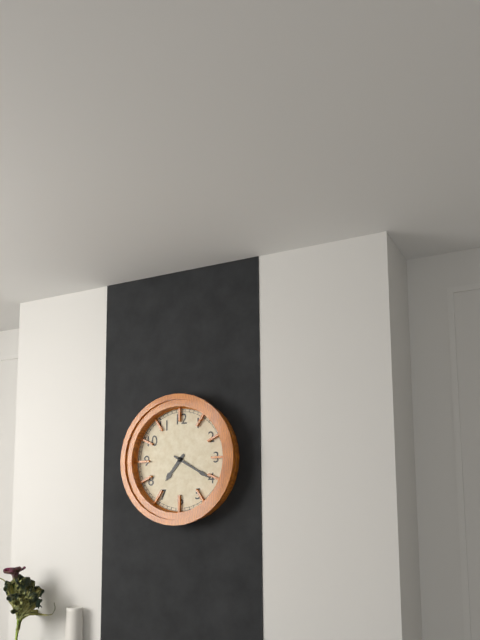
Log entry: 7:20
